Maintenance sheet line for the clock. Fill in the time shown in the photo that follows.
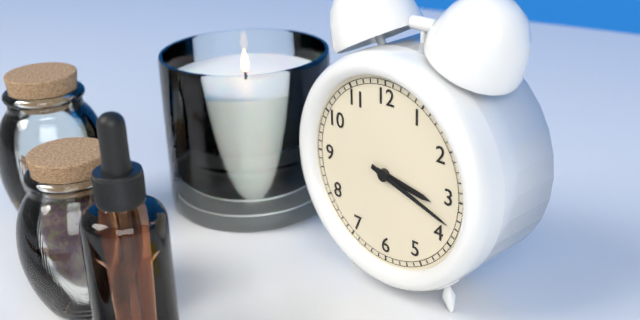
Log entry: 3:18
